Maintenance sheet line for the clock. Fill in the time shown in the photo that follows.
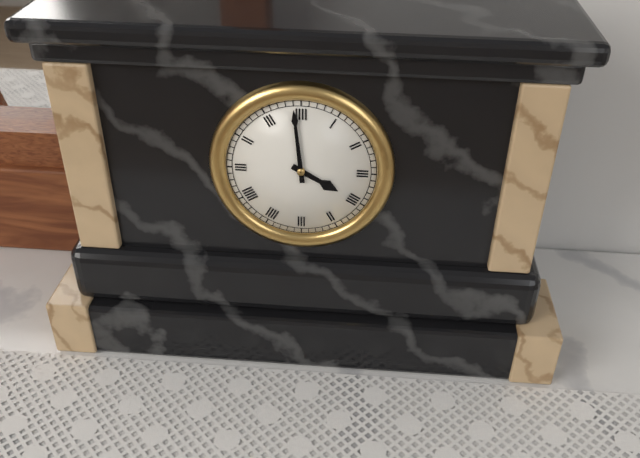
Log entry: 3:59
